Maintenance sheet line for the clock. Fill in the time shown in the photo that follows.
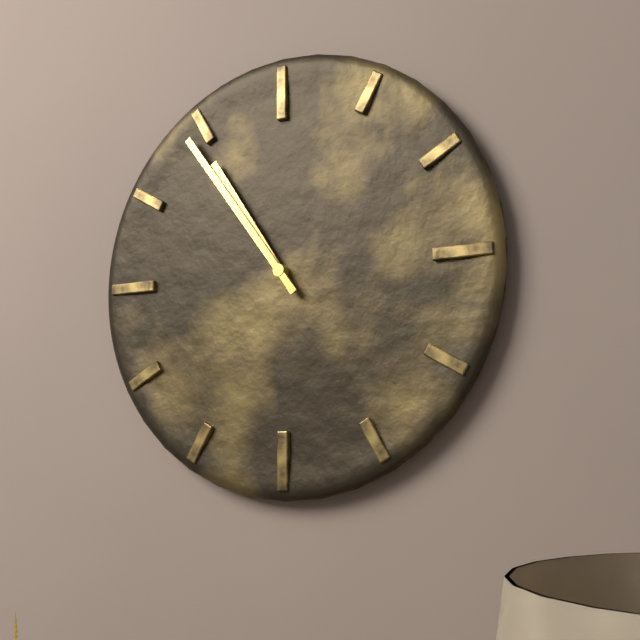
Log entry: 10:54
